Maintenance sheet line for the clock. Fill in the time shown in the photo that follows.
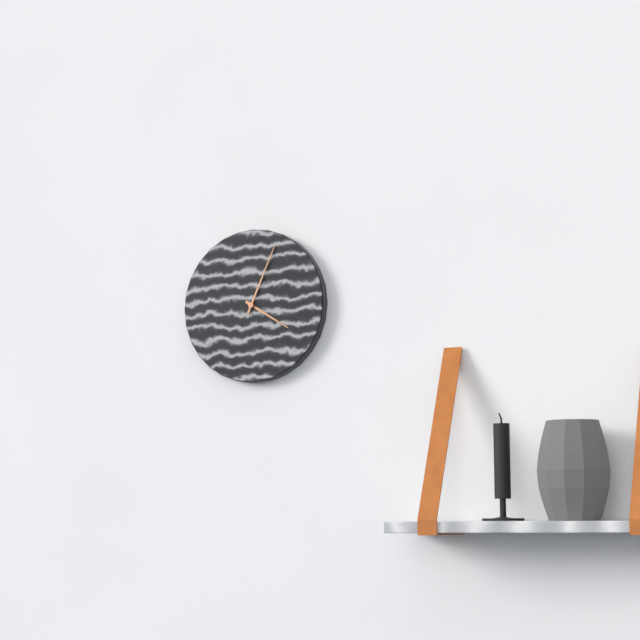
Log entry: 4:04
